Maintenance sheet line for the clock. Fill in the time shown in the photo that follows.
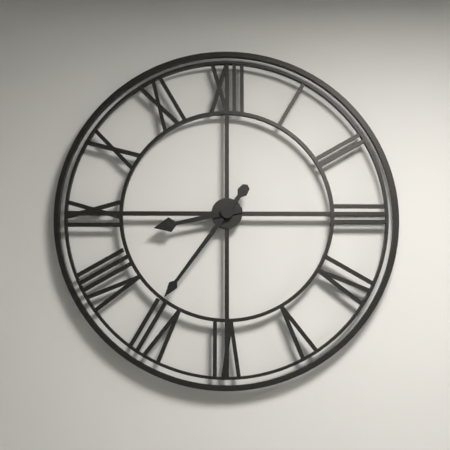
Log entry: 8:36
